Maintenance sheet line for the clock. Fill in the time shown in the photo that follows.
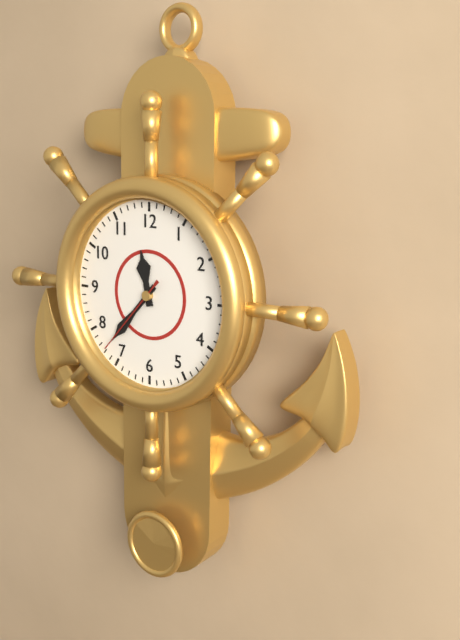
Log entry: 11:37:37
